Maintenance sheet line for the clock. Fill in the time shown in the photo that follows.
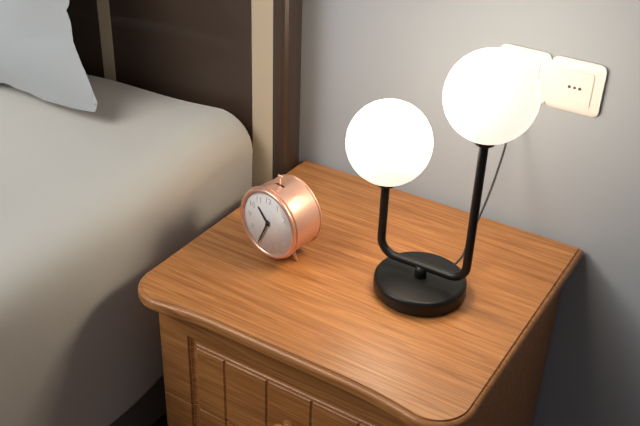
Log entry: 10:34
